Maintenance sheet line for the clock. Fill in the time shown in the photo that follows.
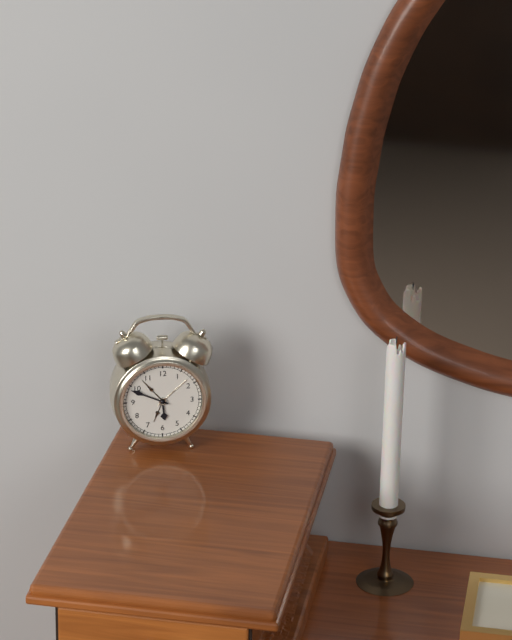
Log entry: 5:49
